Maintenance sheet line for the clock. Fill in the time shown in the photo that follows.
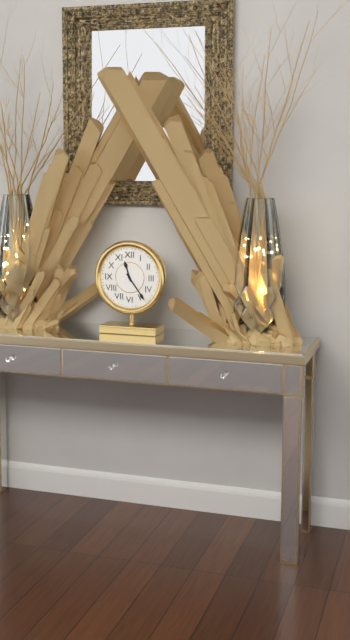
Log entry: 11:24
